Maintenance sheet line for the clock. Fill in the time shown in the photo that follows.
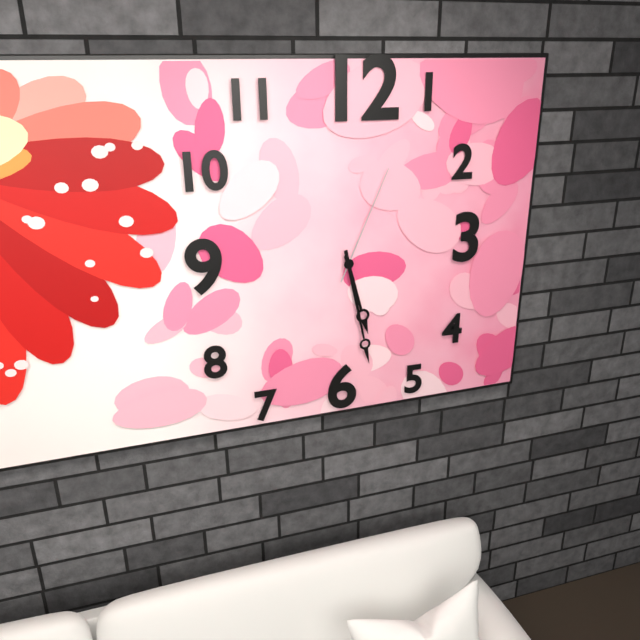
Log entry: 5:28:04
